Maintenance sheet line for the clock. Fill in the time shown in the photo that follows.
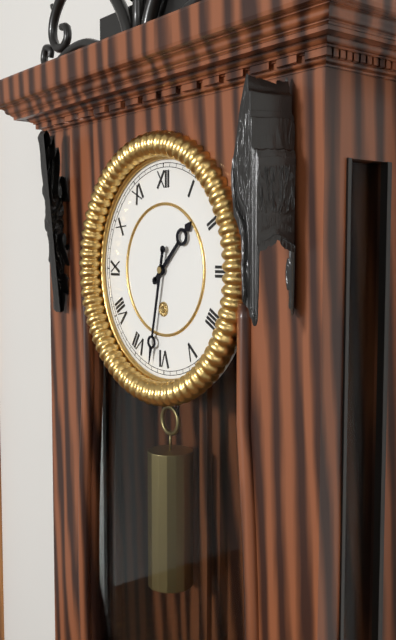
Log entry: 1:32
